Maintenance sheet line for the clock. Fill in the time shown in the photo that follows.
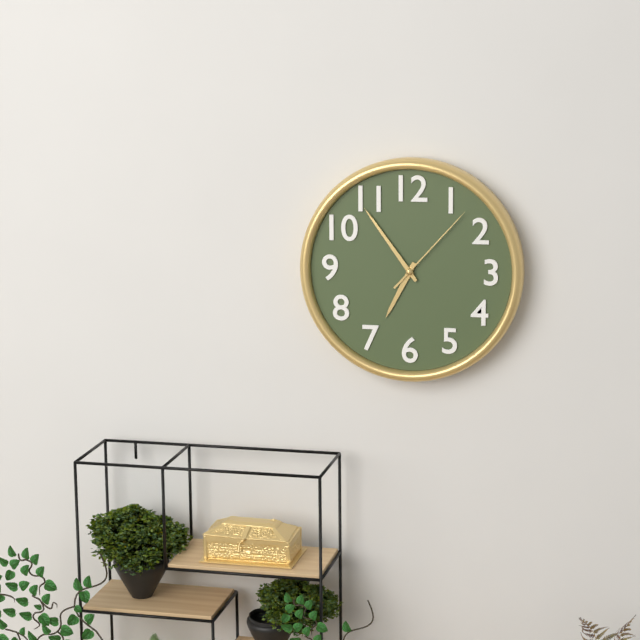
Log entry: 6:54:07
